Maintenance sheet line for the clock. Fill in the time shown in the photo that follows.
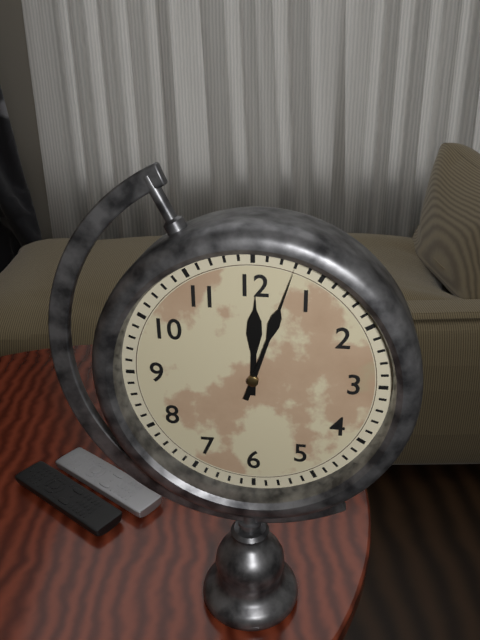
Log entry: 12:03
